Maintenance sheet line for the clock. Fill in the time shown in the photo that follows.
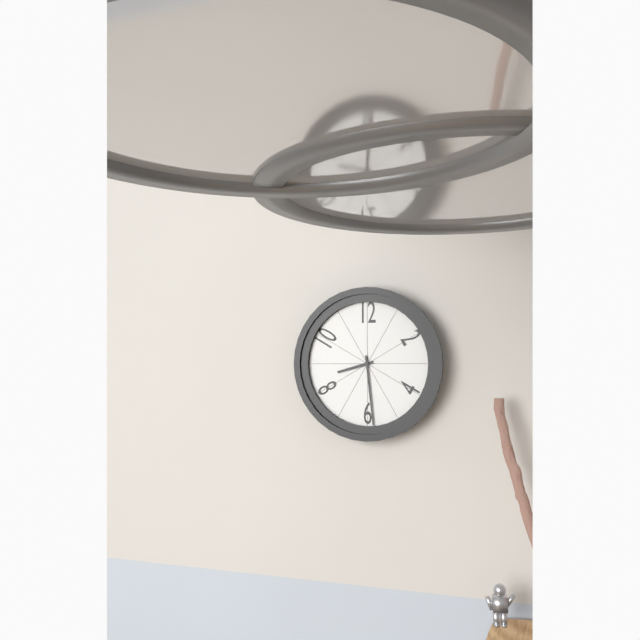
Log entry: 8:29
